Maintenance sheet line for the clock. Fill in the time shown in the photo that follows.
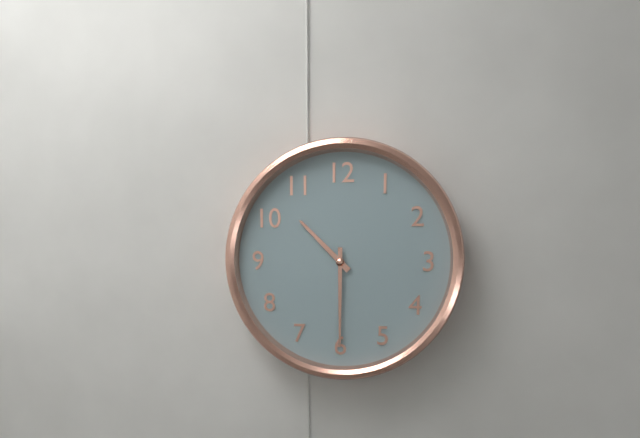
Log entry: 10:30
